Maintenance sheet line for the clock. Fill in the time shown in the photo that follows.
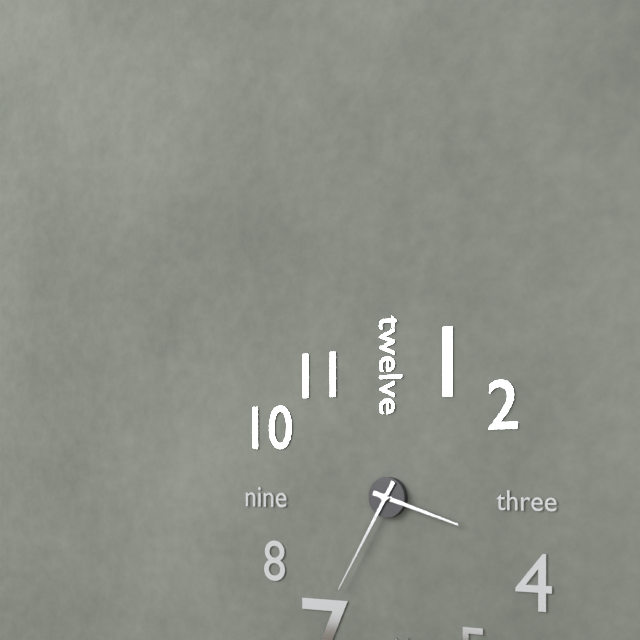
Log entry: 3:35
